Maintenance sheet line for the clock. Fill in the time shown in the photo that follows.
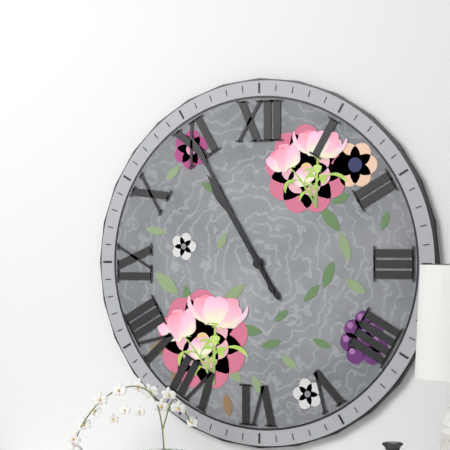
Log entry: 10:55
